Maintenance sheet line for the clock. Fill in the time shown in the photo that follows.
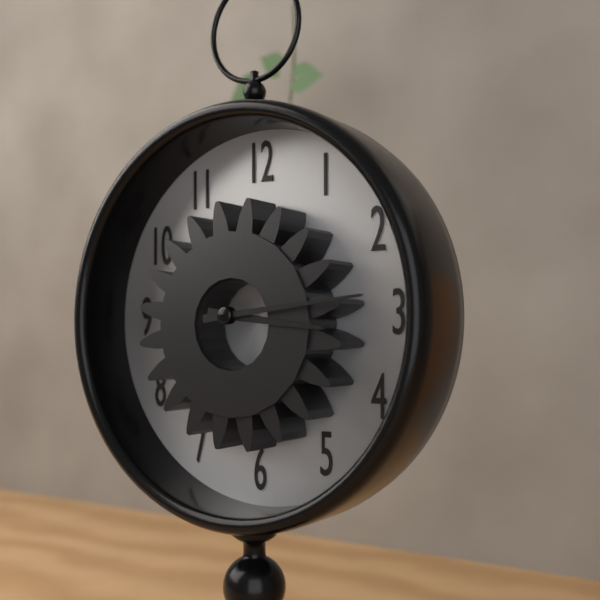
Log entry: 3:14
